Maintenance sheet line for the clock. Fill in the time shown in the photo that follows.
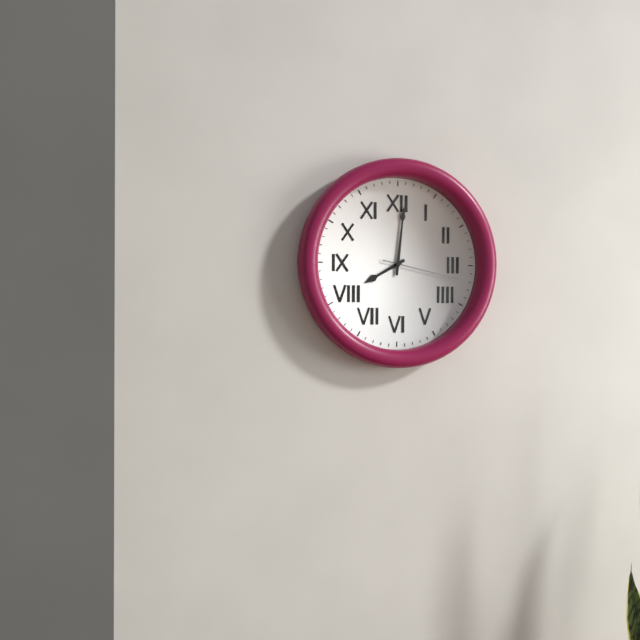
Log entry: 8:01:17
